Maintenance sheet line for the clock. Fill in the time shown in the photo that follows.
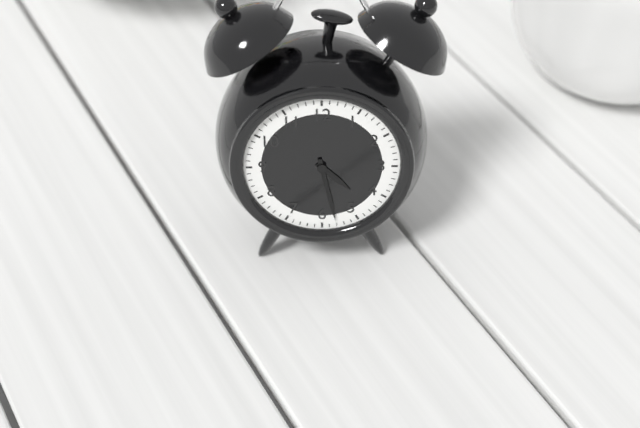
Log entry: 4:28
